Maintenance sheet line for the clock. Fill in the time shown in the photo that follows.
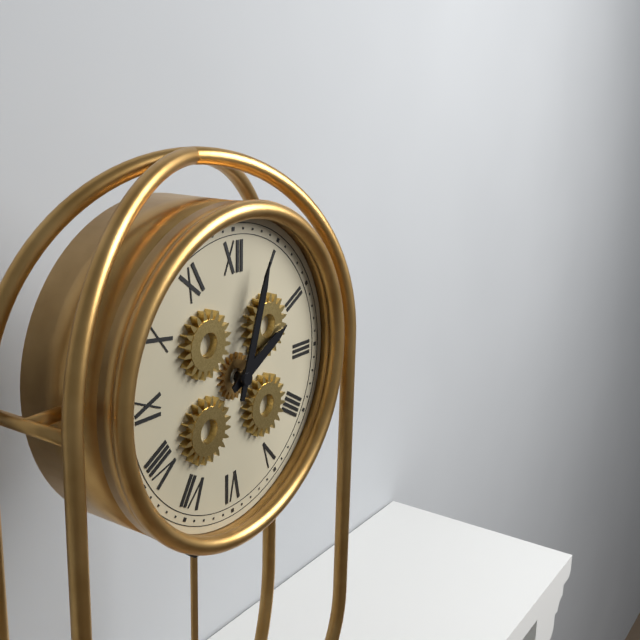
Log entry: 2:03
